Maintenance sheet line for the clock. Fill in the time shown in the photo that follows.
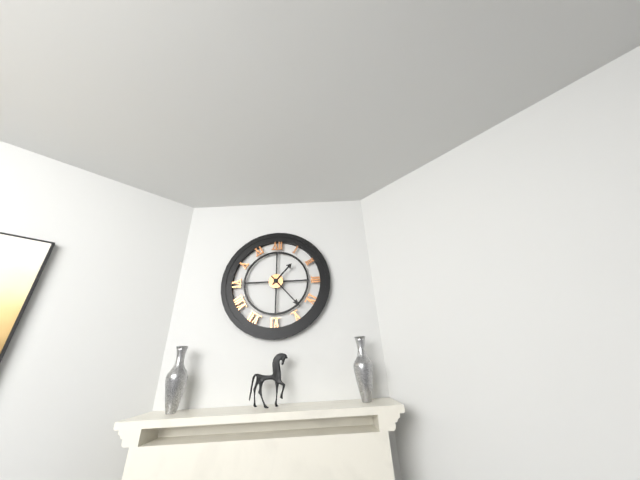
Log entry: 1:23
